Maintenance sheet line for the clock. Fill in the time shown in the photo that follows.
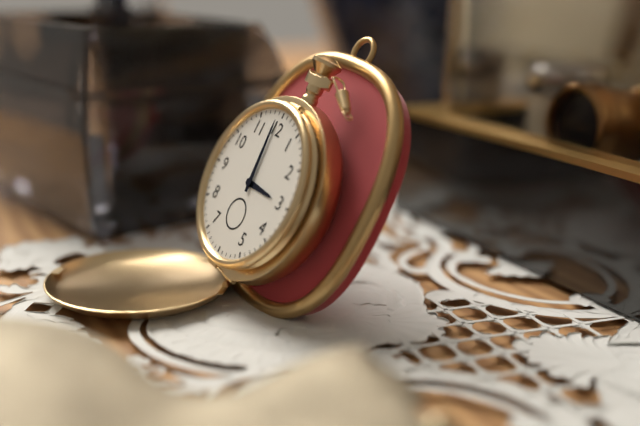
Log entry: 2:59
